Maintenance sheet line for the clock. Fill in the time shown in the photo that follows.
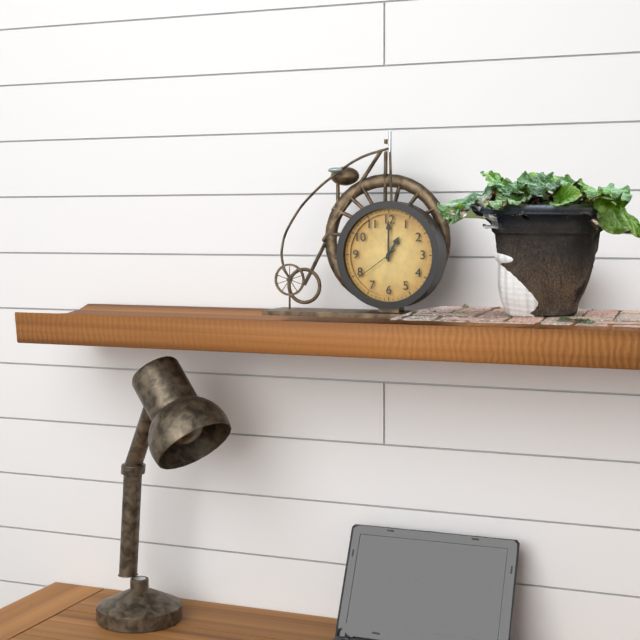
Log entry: 1:00
